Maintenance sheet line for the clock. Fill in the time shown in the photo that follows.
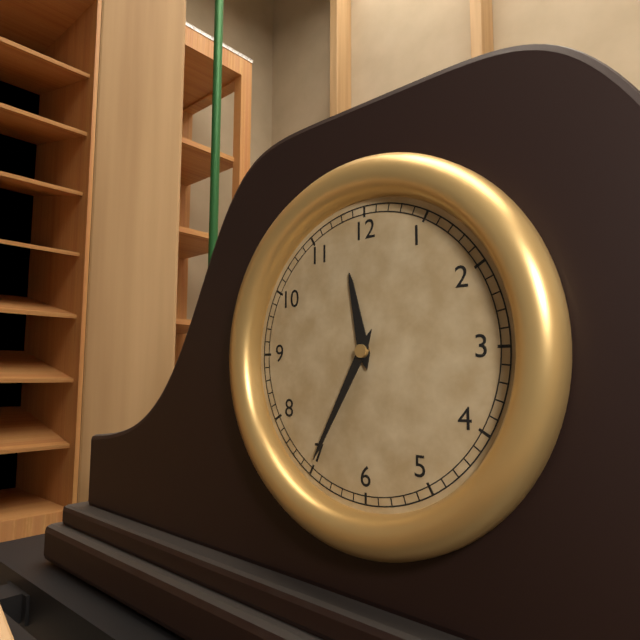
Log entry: 11:35
